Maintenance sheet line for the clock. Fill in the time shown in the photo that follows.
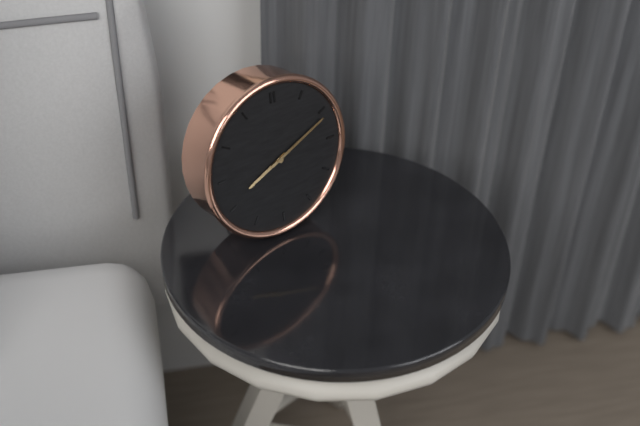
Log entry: 8:11
